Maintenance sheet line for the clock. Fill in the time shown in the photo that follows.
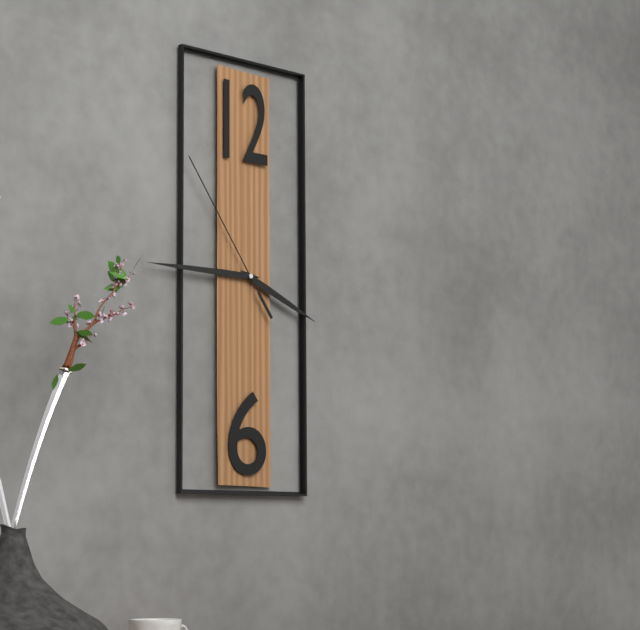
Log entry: 3:45:54
